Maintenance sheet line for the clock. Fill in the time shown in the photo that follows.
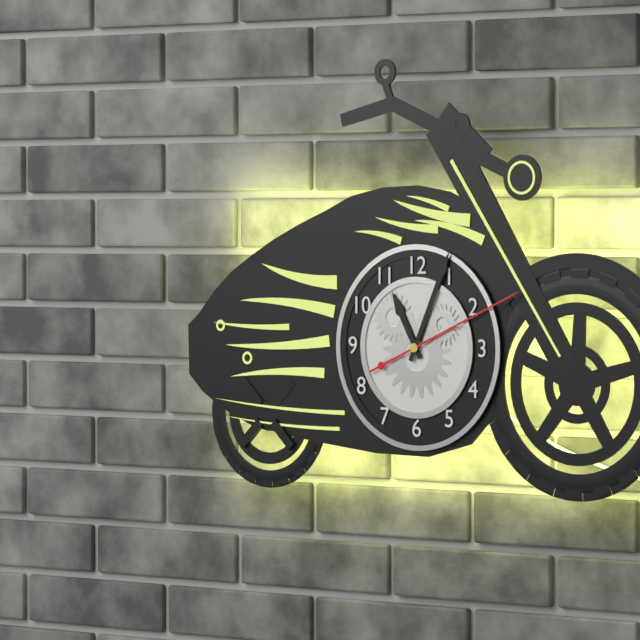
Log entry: 11:04:11
